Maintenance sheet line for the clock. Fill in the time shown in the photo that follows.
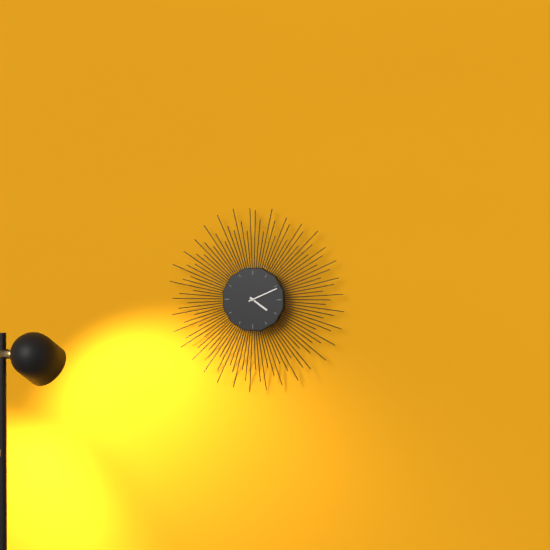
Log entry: 4:11
